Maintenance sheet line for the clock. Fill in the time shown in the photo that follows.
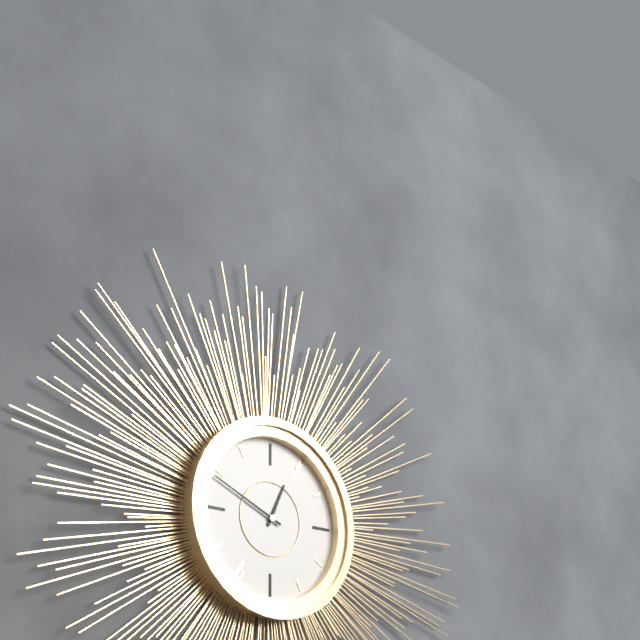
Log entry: 12:49
